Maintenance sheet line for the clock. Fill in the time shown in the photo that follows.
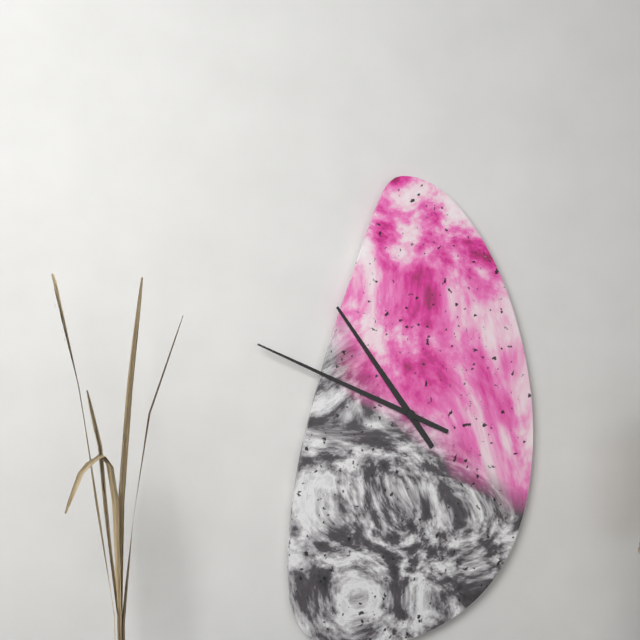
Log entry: 10:49
